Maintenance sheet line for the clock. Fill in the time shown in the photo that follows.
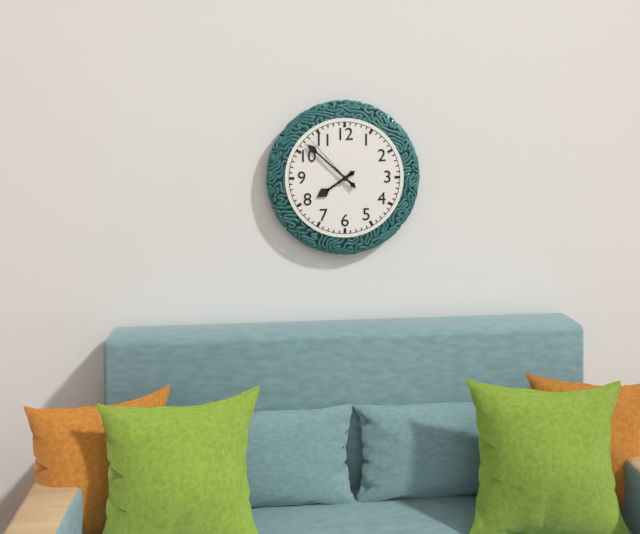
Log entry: 7:52:53
